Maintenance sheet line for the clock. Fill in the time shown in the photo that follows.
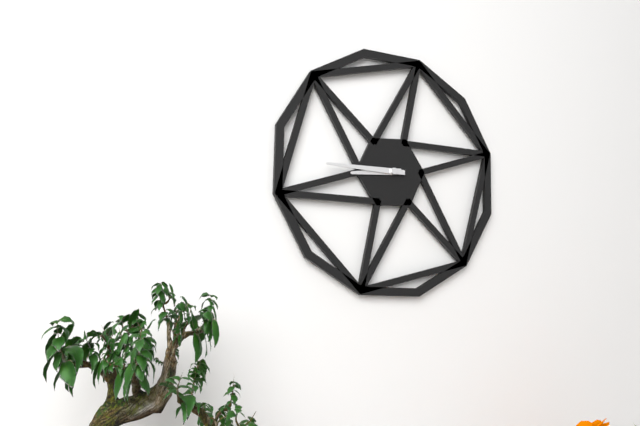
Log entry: 8:45
